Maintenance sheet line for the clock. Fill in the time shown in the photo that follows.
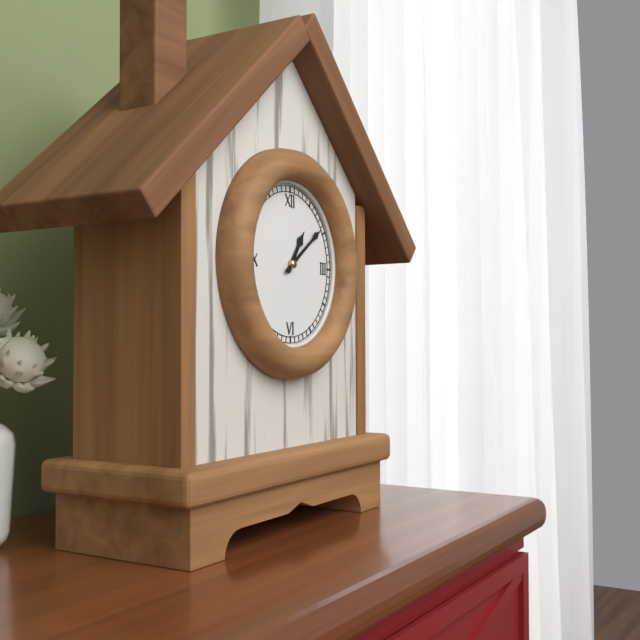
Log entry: 1:09
